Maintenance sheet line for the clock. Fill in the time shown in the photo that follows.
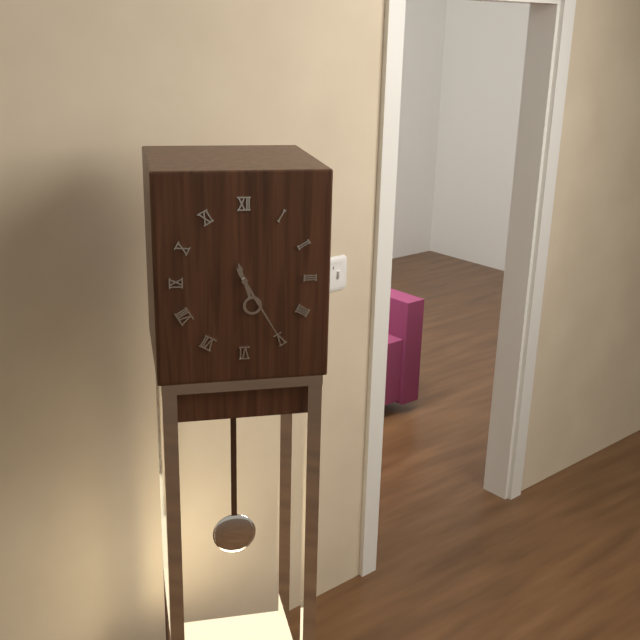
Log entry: 5:25
